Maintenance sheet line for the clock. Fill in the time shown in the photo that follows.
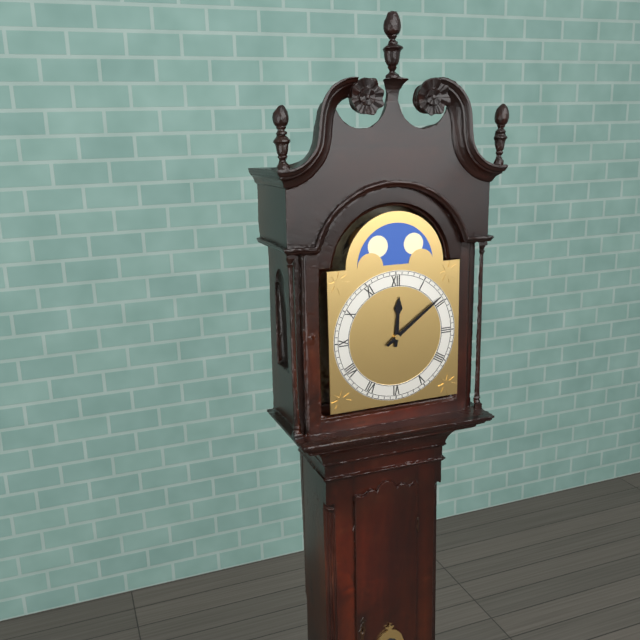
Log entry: 12:09
